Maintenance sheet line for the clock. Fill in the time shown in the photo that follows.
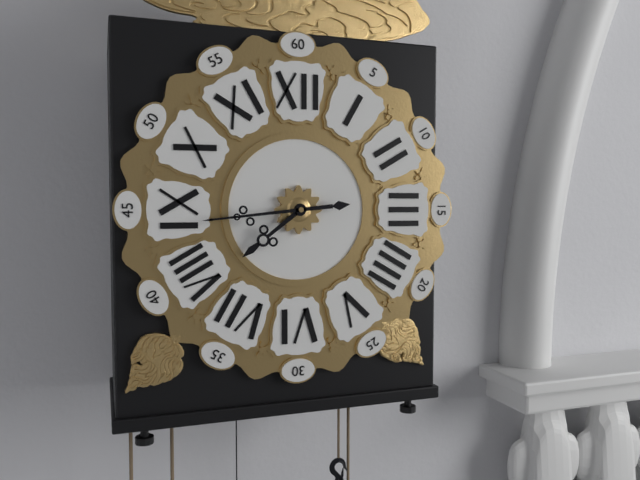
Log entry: 7:44
